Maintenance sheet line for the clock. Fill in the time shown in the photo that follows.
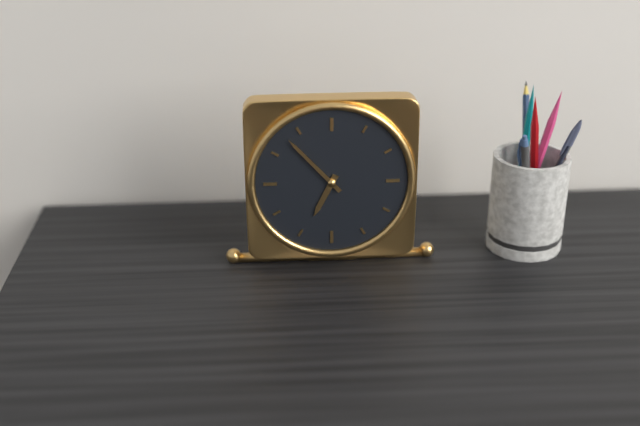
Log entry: 6:53
